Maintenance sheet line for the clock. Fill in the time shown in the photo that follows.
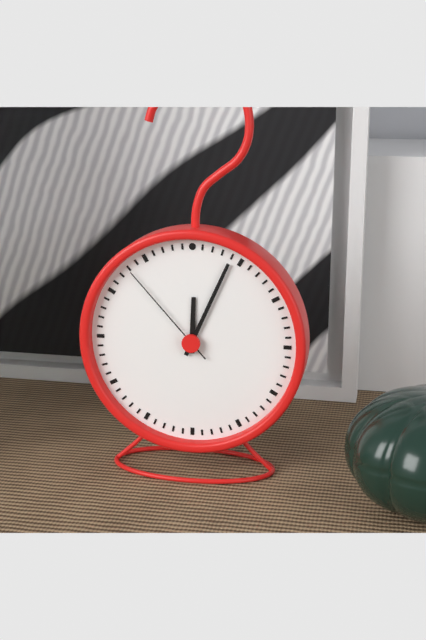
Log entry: 12:04:53
